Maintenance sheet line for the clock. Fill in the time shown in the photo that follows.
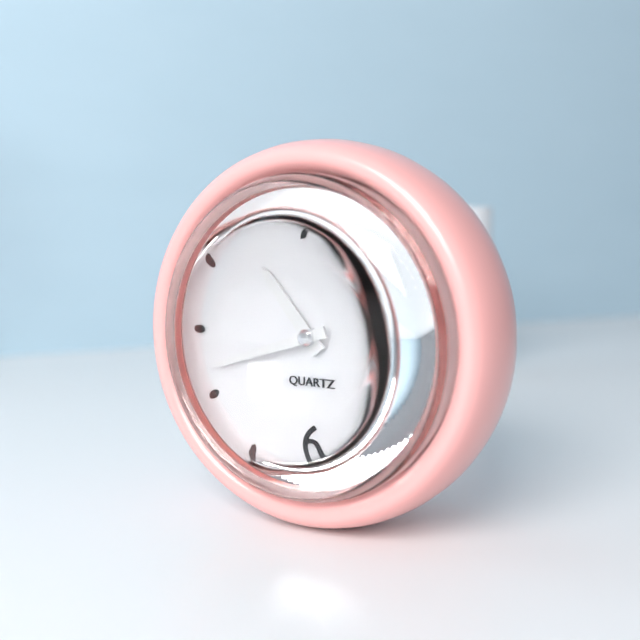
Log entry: 10:42
